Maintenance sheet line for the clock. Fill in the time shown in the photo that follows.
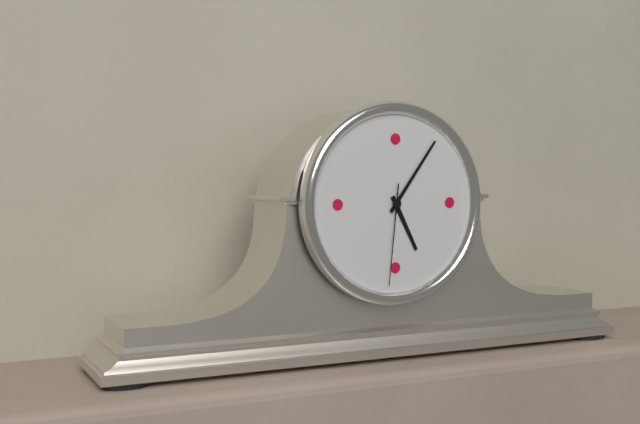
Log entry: 5:06:31
